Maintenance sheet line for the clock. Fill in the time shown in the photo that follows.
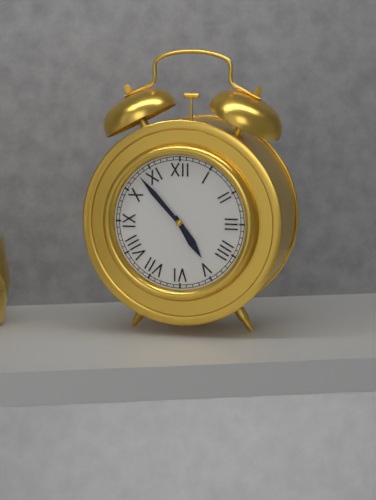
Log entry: 4:53
